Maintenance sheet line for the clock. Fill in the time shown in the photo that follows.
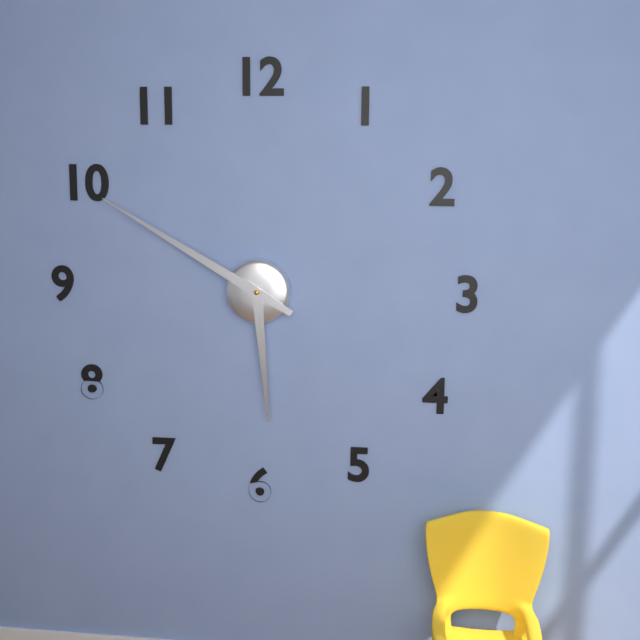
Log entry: 5:50
